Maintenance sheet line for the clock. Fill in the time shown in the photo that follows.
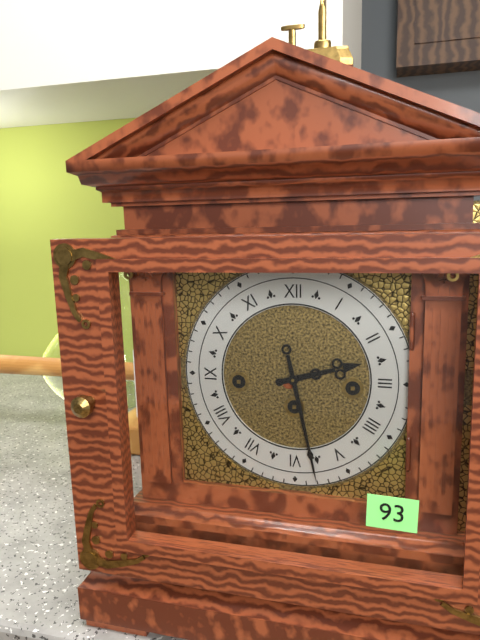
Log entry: 2:28
